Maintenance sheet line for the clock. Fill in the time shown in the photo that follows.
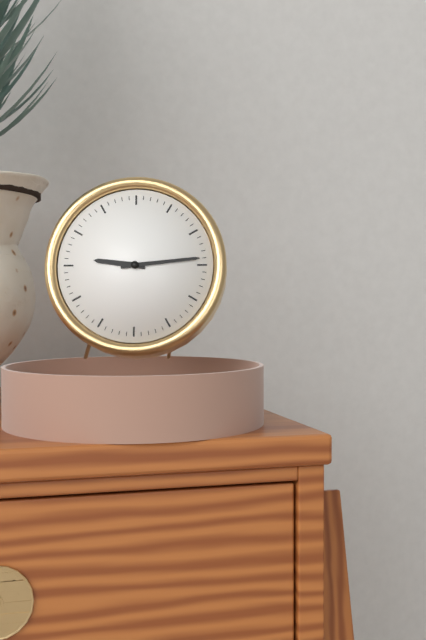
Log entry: 9:14
